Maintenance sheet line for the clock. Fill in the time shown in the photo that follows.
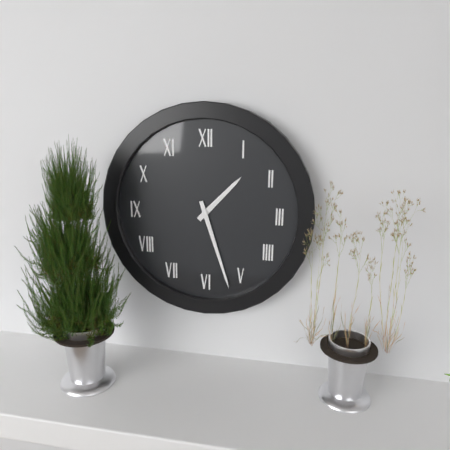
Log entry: 1:27
